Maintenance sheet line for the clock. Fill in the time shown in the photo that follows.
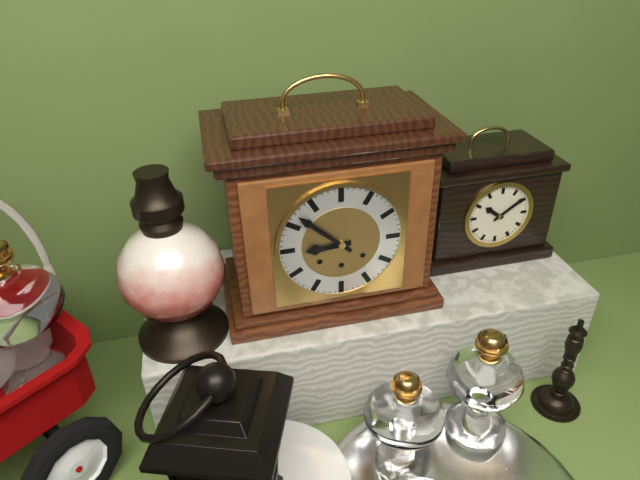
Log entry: 8:52
